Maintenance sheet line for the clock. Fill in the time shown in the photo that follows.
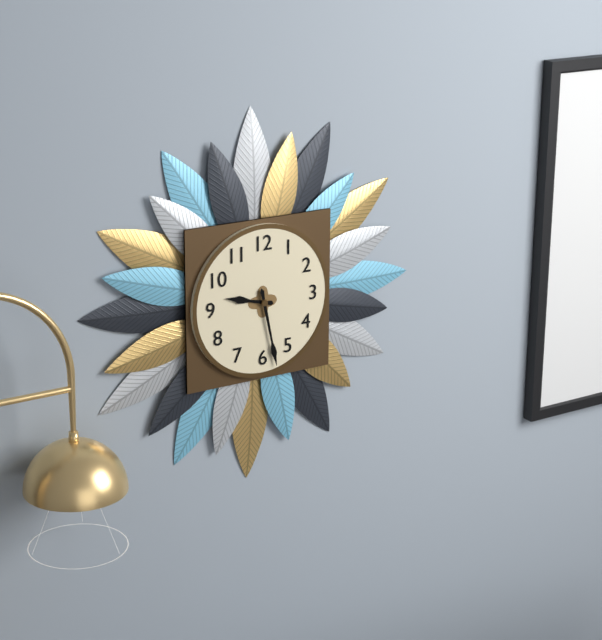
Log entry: 9:28
